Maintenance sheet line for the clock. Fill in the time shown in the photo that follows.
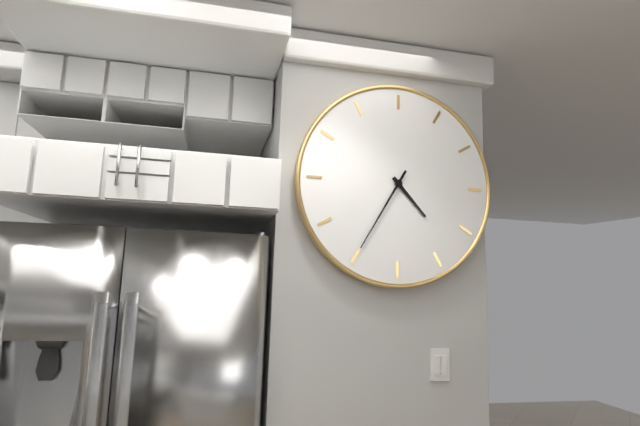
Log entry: 4:35
